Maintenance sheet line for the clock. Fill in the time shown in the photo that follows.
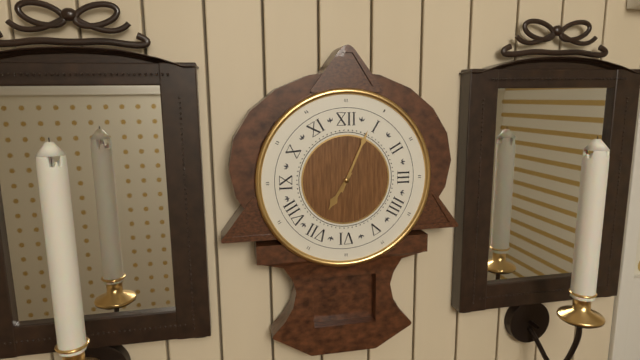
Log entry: 7:04
